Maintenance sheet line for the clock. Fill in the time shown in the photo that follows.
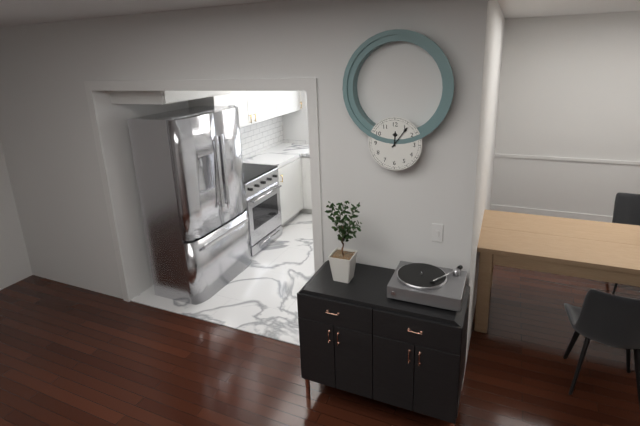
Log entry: 12:06
